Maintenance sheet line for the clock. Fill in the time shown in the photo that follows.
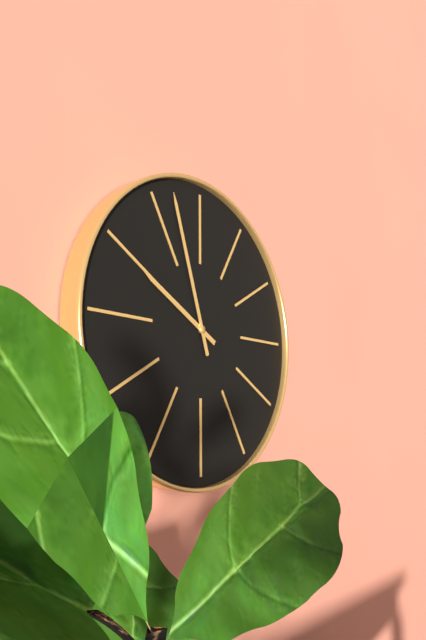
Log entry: 9:57
